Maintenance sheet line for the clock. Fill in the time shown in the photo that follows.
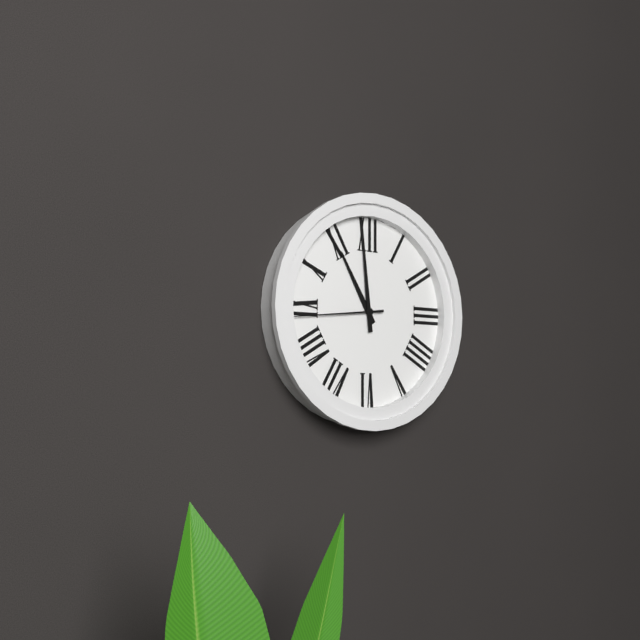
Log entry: 10:59:44
